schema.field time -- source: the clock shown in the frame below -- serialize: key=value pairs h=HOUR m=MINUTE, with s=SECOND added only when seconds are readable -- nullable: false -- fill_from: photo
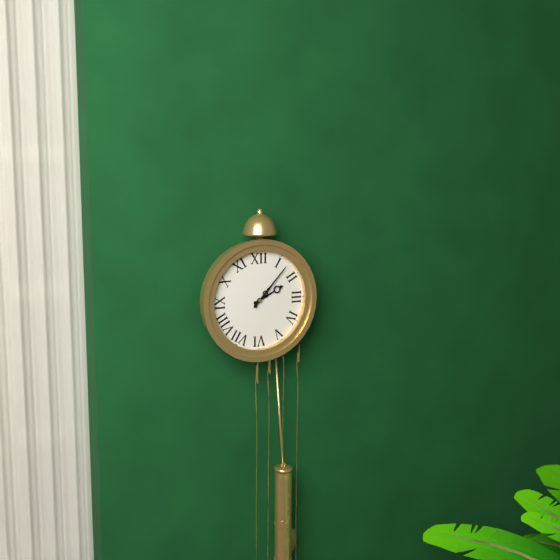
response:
h=2 m=7
